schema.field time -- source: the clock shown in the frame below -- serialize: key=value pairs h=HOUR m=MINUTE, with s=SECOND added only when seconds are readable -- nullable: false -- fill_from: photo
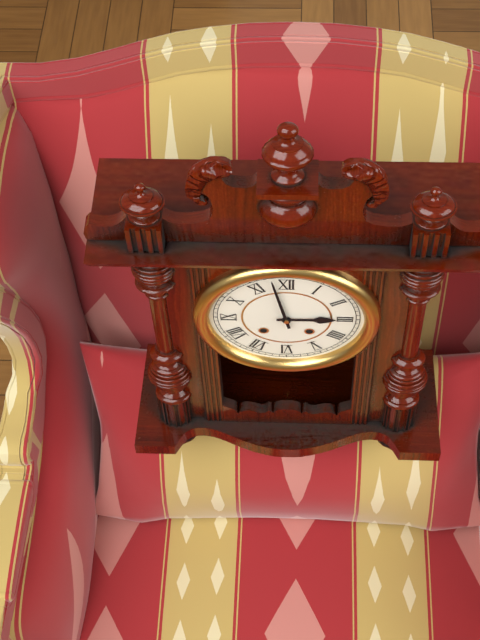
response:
h=2 m=58
